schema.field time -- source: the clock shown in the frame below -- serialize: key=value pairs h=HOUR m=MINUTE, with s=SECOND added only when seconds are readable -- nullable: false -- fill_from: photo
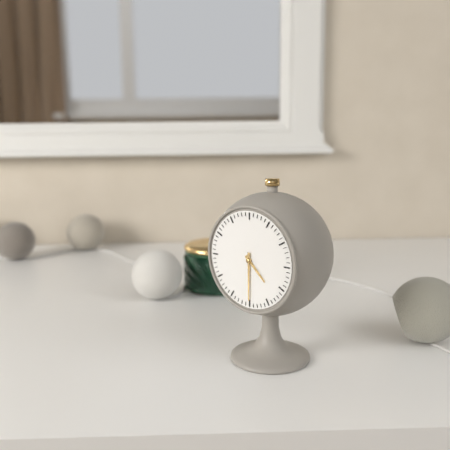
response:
h=4 m=30
